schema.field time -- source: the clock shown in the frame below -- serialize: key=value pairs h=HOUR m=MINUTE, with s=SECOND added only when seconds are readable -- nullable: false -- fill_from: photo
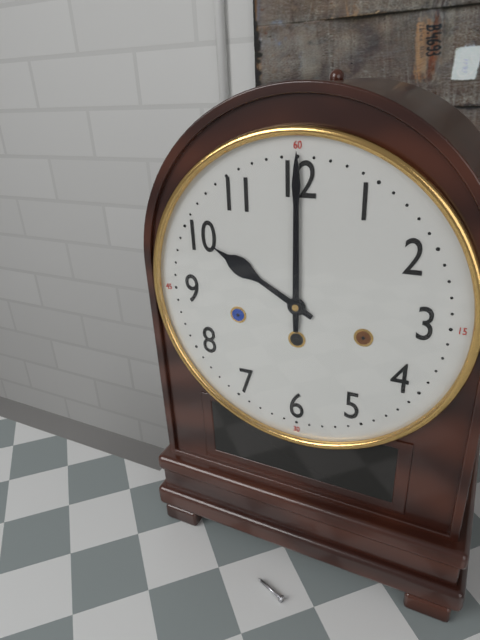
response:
h=10 m=0
